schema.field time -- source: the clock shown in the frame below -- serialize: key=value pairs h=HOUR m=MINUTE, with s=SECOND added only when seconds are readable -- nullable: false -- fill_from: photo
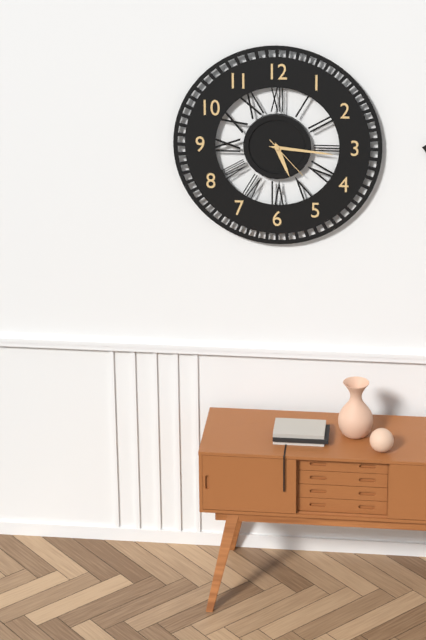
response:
h=5 m=16
